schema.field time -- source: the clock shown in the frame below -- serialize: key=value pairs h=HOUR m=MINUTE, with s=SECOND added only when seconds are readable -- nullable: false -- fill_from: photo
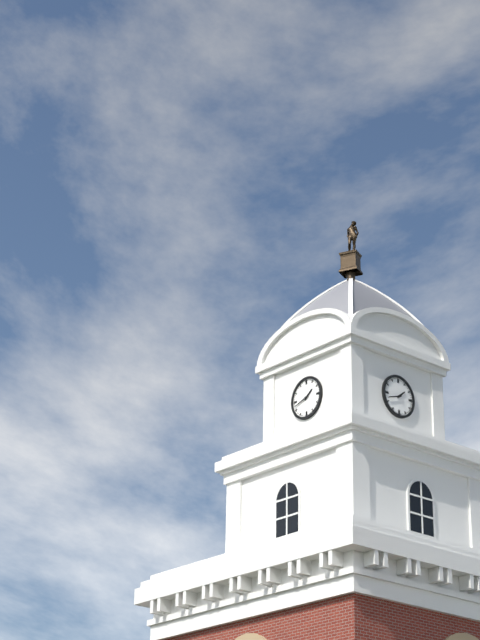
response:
h=1 m=42
